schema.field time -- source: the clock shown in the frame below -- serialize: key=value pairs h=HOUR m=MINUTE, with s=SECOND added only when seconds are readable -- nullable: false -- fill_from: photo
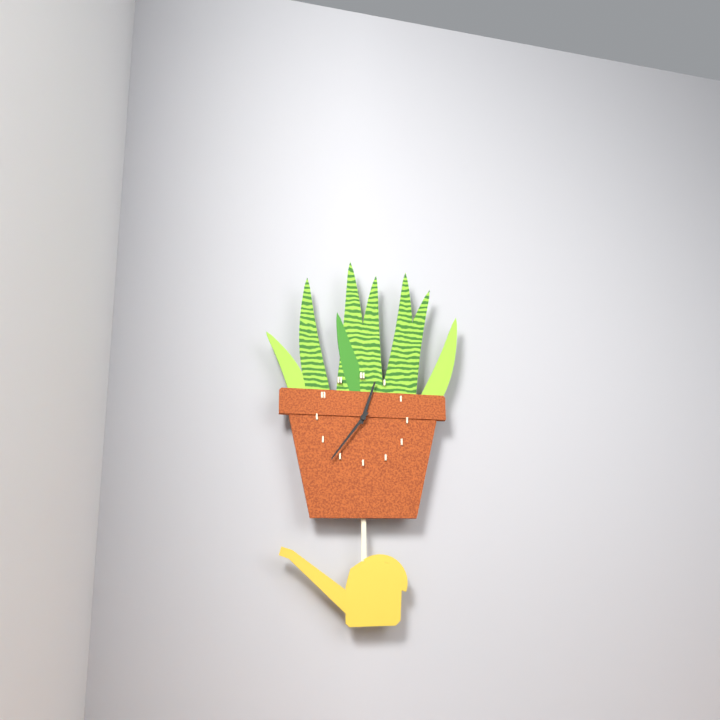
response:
h=12 m=36
